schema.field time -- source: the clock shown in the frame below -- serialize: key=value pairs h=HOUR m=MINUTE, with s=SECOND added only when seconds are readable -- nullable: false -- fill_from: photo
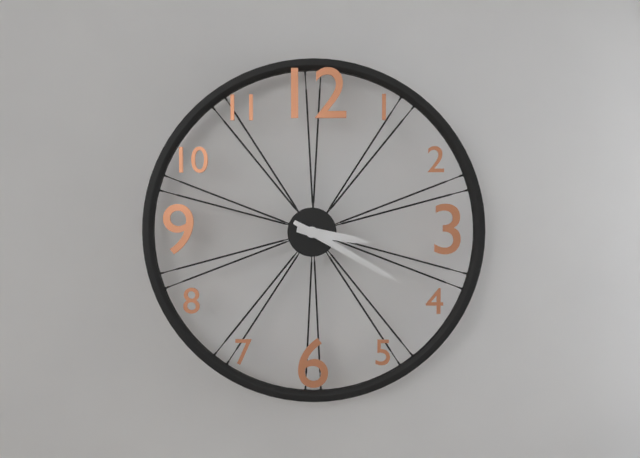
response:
h=3 m=20
